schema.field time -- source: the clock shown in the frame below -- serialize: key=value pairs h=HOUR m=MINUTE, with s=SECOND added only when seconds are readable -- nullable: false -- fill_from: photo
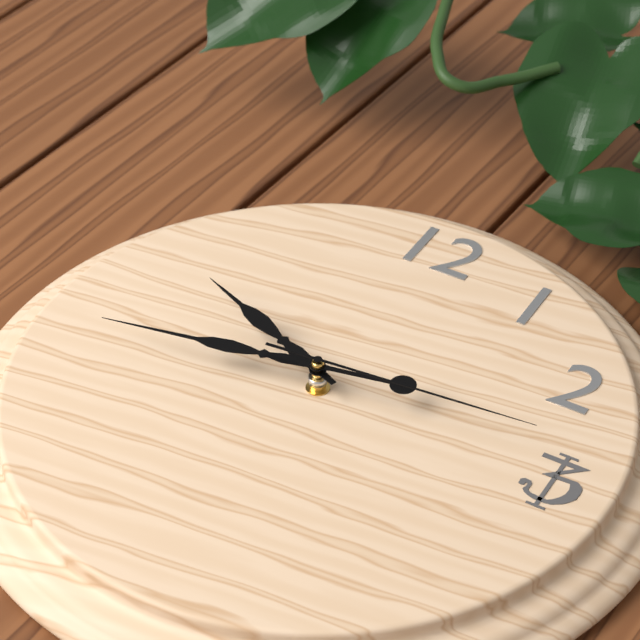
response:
h=9 m=43 s=14
